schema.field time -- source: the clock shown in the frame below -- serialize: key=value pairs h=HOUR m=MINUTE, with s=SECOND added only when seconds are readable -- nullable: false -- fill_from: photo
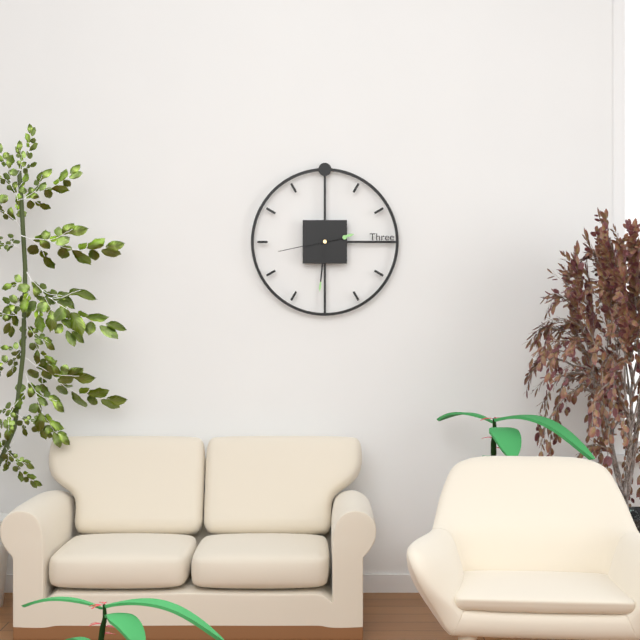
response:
h=2 m=31 s=43
